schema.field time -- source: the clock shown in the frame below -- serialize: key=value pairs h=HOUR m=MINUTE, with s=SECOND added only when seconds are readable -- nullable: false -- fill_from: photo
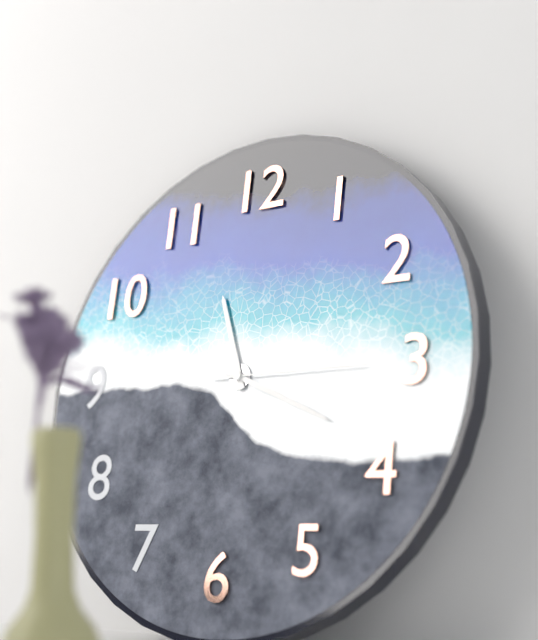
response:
h=11 m=19 s=15
